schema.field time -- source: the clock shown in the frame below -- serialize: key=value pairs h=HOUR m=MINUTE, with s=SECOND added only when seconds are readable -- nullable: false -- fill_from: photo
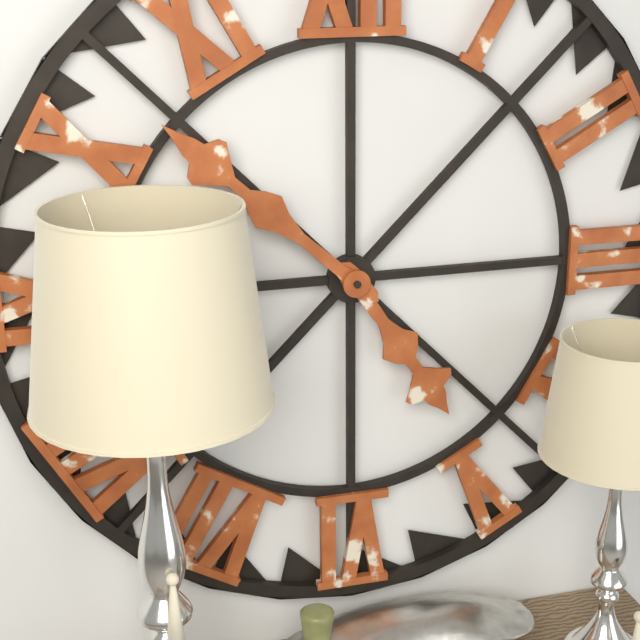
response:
h=4 m=52
